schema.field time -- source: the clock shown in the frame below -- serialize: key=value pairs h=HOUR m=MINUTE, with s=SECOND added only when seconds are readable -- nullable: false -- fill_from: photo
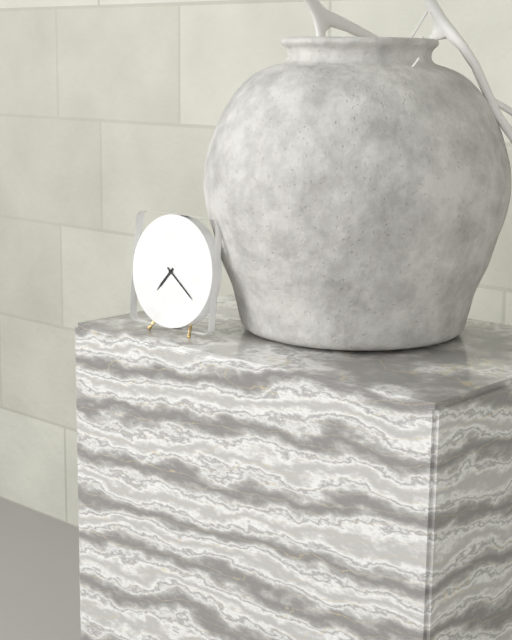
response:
h=7 m=21
